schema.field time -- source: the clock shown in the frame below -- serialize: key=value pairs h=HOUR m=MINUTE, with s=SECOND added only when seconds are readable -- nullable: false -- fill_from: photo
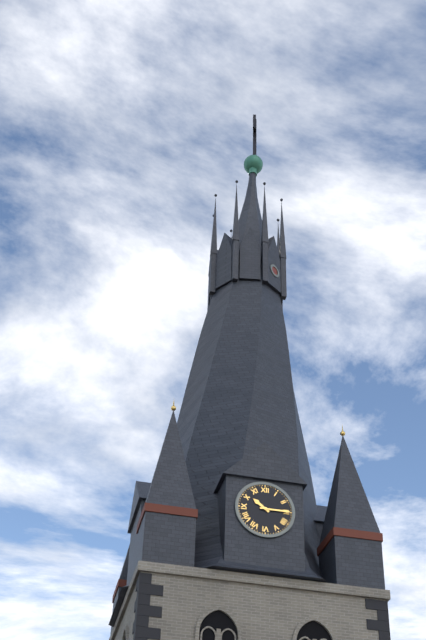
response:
h=10 m=15
